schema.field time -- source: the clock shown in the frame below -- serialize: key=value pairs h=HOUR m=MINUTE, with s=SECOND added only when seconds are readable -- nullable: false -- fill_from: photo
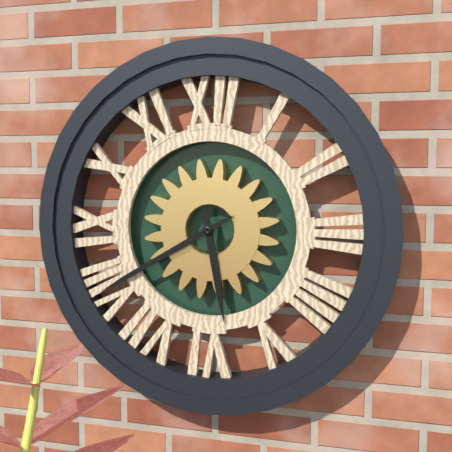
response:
h=5 m=40
